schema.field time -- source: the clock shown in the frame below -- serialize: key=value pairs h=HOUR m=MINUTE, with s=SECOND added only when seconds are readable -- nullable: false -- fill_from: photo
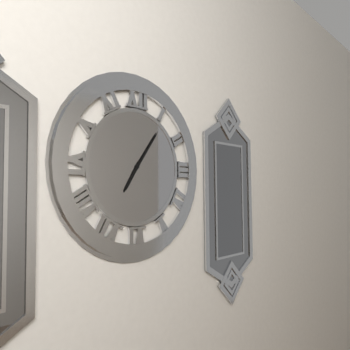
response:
h=7 m=6
